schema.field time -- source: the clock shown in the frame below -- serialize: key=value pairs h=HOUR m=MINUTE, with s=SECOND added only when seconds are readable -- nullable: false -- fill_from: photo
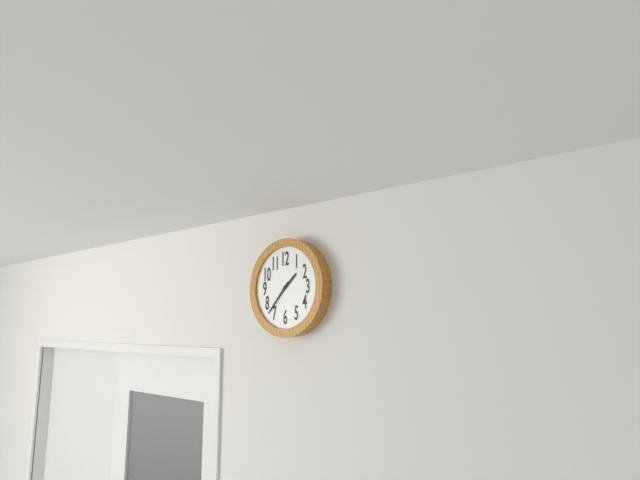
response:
h=1 m=37
